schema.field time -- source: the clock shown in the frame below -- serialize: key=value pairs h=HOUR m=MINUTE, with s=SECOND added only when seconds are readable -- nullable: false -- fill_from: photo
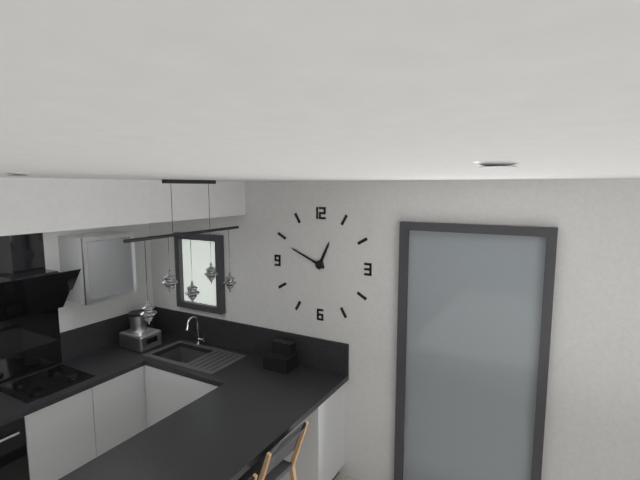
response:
h=12 m=49
